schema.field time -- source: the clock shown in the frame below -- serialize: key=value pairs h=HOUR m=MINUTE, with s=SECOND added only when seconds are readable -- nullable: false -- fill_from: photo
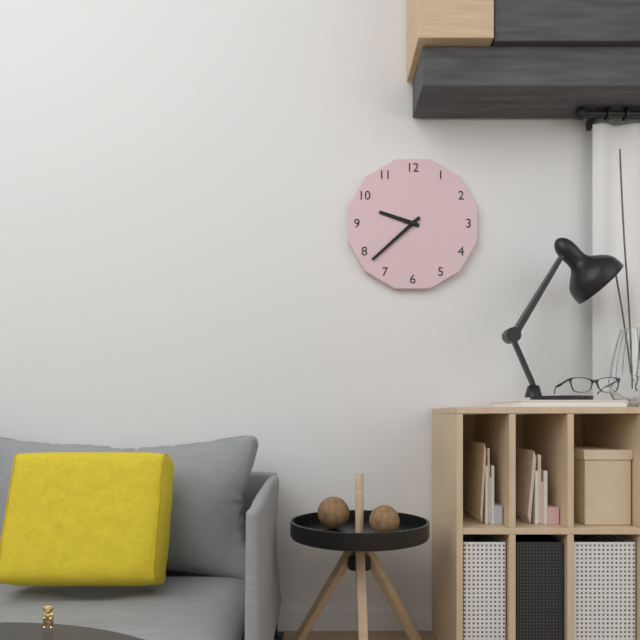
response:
h=9 m=38
